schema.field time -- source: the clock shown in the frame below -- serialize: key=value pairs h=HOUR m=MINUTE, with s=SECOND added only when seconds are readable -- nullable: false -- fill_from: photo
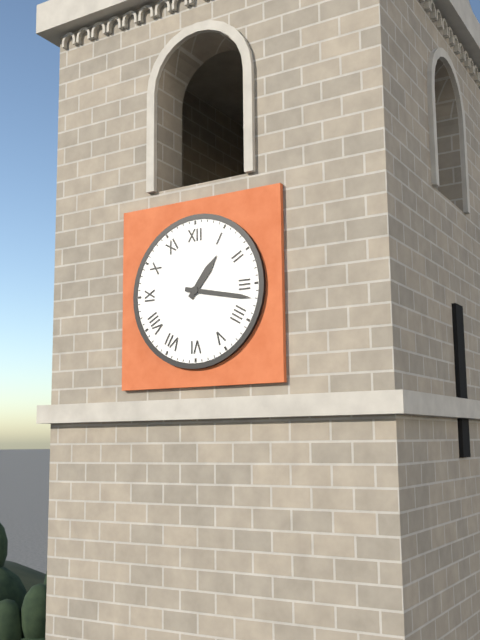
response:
h=1 m=17
